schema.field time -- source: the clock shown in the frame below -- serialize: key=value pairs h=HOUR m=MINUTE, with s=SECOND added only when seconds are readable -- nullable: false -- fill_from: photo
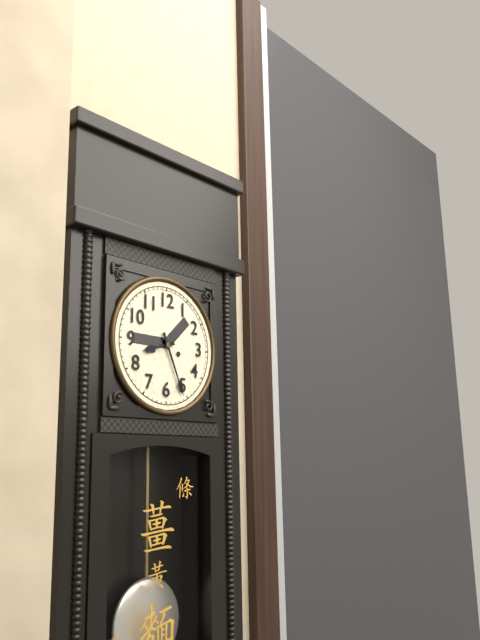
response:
h=8 m=26
